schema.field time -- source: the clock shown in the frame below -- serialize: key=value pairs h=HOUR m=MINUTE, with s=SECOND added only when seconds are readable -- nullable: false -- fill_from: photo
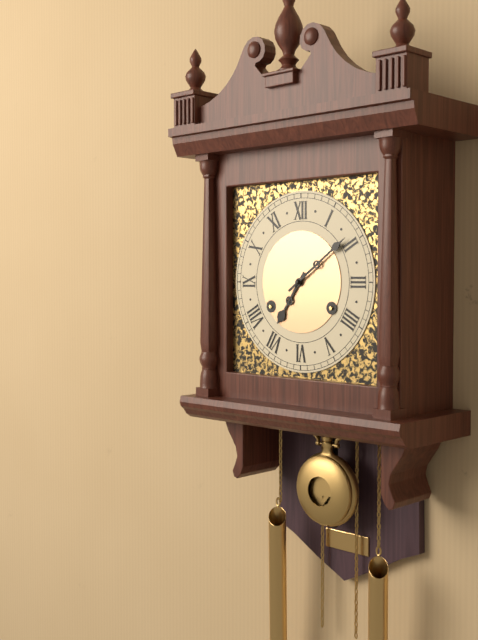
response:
h=7 m=9
